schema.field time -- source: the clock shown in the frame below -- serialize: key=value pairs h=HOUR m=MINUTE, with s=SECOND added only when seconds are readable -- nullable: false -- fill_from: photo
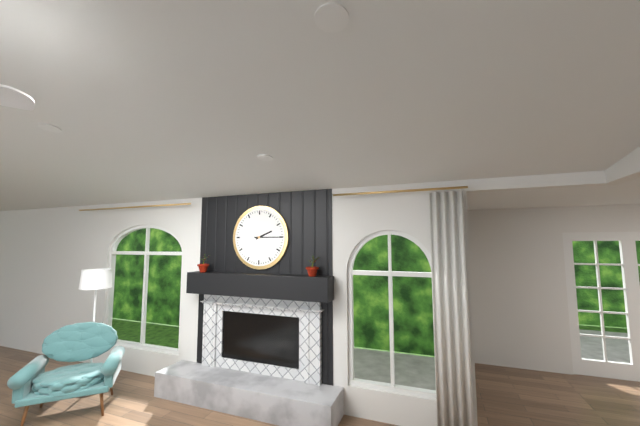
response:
h=2 m=15
